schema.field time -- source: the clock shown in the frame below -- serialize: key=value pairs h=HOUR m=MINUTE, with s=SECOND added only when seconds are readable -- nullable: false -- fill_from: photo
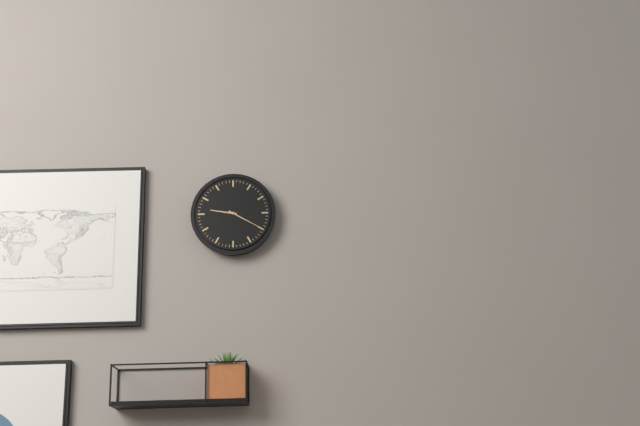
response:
h=9 m=20
